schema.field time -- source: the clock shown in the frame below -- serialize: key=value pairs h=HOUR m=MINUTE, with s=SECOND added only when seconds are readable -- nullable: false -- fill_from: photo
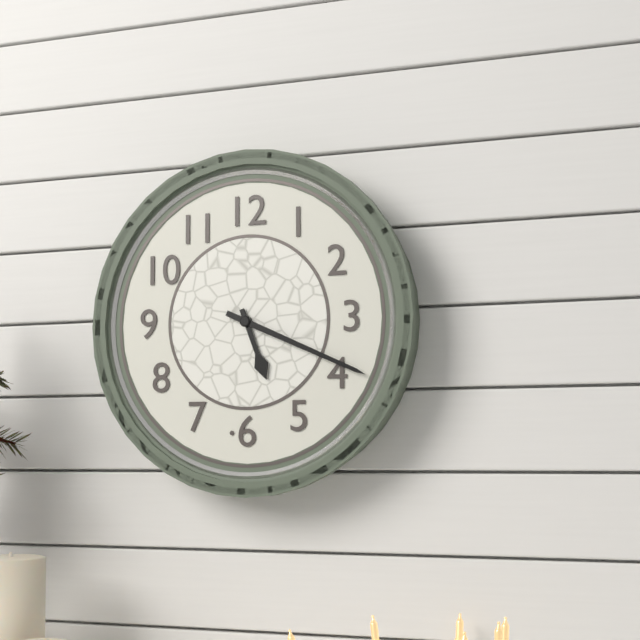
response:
h=5 m=19
